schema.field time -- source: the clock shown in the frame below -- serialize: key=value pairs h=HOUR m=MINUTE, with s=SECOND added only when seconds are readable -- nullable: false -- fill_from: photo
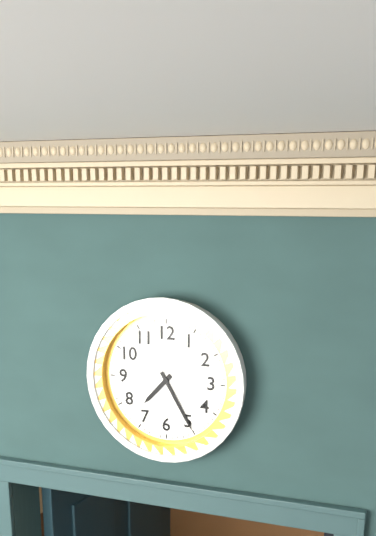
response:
h=7 m=25
